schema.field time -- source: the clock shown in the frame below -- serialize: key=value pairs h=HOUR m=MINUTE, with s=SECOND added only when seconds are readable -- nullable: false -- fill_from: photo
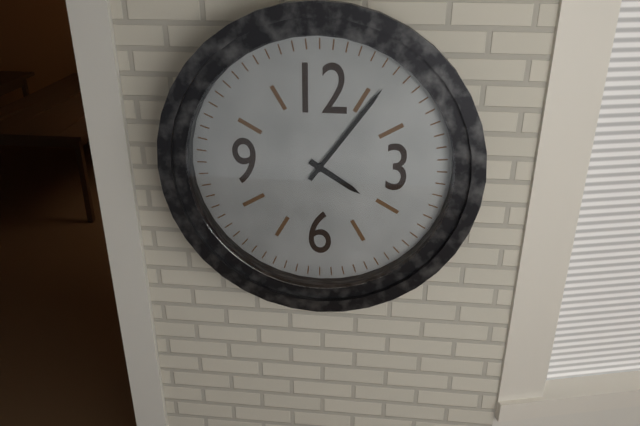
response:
h=4 m=6
